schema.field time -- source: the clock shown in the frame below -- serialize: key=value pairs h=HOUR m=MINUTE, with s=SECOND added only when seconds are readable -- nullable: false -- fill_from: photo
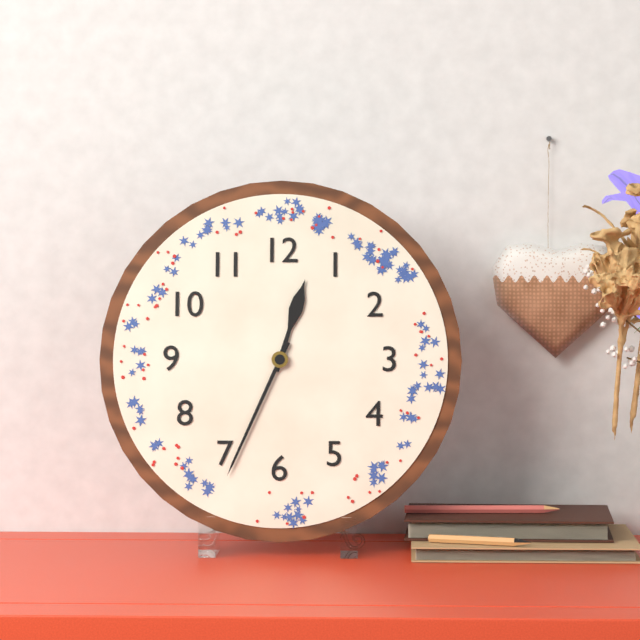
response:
h=12 m=34
